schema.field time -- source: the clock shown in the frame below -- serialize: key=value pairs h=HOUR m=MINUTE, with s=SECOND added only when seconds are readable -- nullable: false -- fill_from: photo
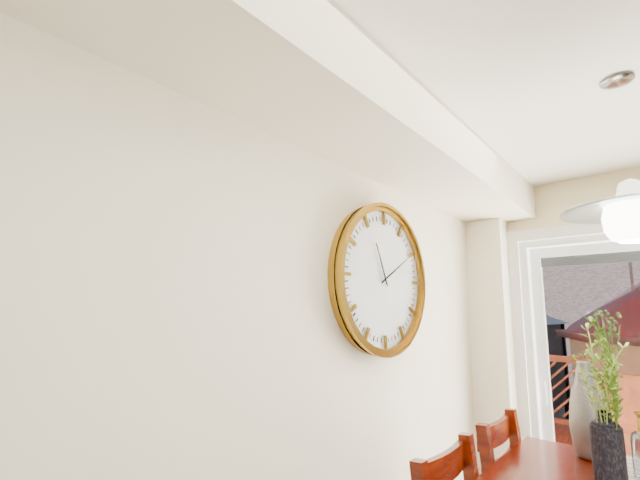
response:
h=11 m=10
